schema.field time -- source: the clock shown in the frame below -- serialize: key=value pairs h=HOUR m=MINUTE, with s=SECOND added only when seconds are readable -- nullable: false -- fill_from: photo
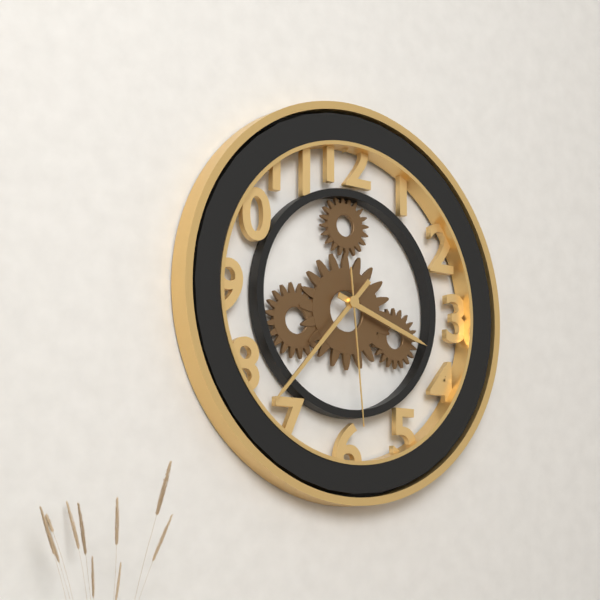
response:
h=3 m=37 s=29
